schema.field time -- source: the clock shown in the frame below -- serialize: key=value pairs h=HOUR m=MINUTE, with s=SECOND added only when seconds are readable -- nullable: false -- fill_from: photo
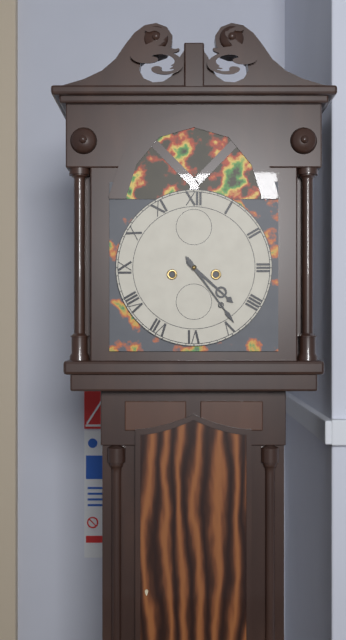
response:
h=4 m=24
